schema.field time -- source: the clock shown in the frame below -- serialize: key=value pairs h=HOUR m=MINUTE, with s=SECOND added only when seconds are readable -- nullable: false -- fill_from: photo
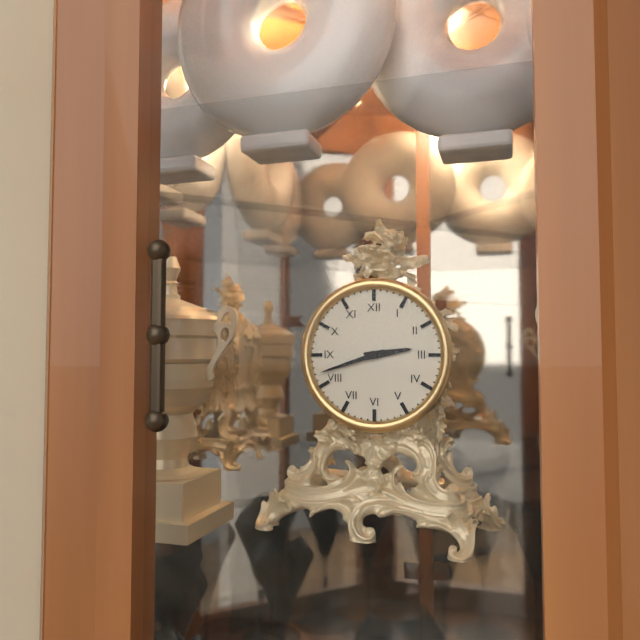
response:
h=2 m=42
